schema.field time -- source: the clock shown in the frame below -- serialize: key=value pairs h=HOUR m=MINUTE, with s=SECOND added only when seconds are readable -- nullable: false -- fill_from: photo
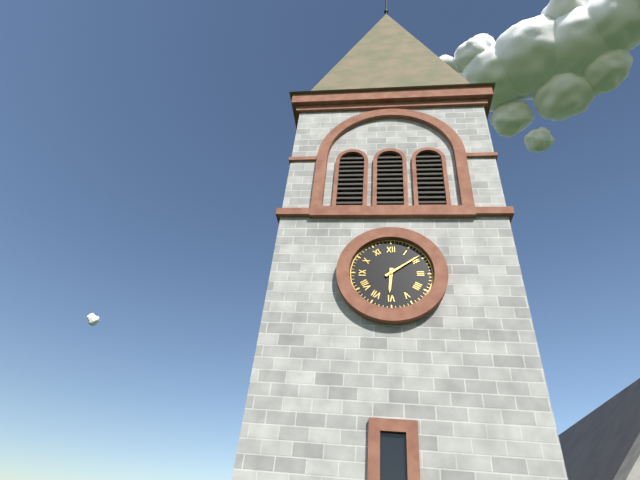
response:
h=6 m=9
